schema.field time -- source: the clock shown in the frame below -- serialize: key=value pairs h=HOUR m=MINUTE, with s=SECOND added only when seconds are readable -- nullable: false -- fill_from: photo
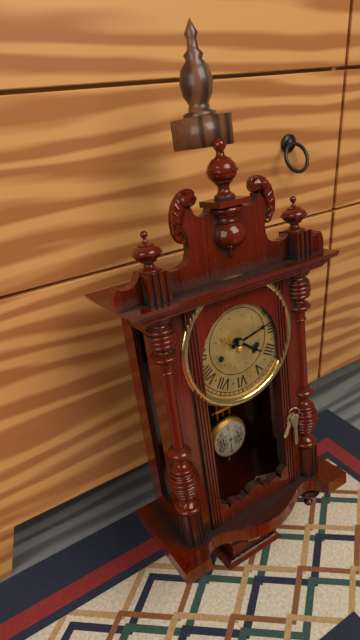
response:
h=4 m=13
